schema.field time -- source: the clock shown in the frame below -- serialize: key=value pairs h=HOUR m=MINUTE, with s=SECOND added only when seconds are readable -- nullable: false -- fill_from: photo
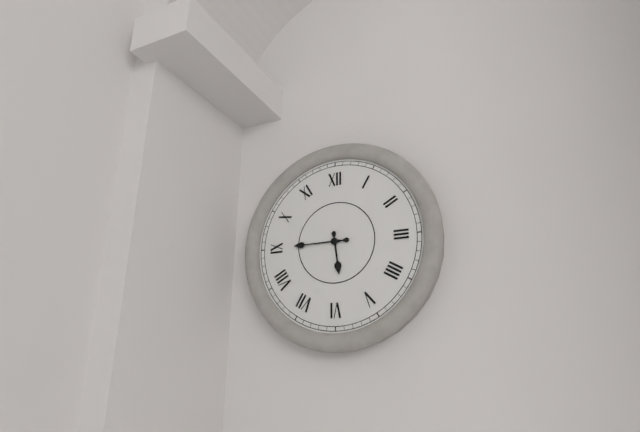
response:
h=5 m=45
